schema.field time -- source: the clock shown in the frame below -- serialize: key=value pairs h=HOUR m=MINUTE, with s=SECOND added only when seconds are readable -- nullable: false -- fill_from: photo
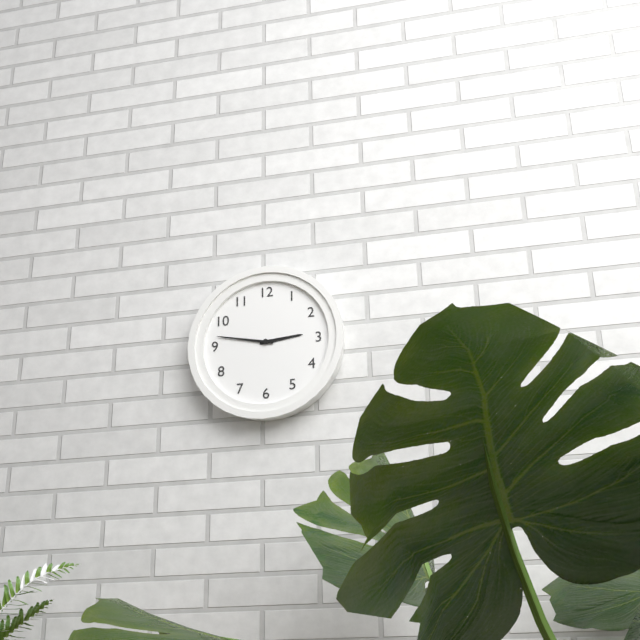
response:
h=2 m=47
